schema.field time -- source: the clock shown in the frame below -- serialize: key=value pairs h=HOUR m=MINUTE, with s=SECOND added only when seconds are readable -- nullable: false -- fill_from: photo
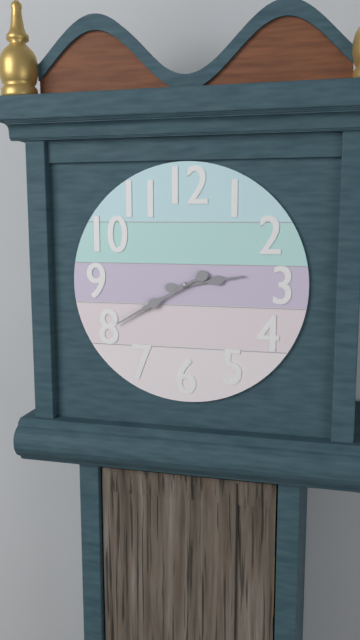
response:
h=2 m=40
